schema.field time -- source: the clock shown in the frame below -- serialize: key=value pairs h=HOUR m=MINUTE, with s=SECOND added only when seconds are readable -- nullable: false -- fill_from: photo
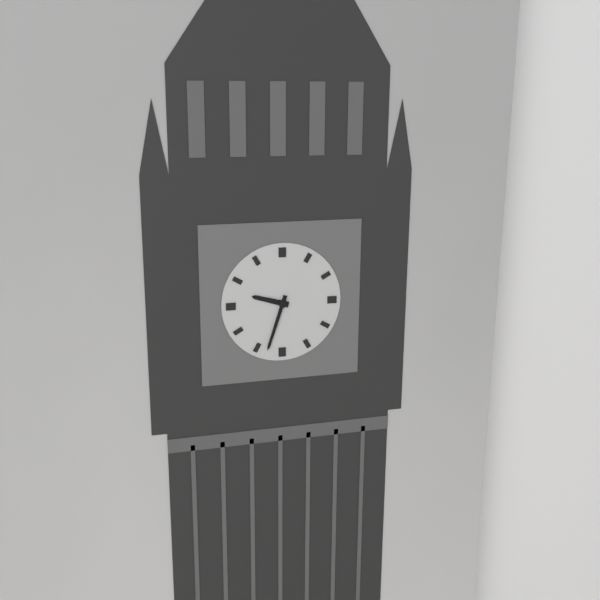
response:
h=9 m=33
